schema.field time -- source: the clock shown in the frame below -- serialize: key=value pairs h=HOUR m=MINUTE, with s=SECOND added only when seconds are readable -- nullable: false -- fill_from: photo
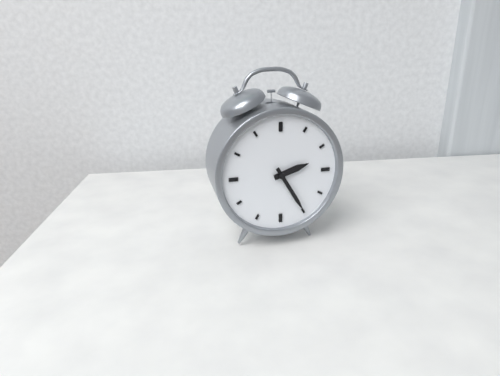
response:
h=2 m=25
